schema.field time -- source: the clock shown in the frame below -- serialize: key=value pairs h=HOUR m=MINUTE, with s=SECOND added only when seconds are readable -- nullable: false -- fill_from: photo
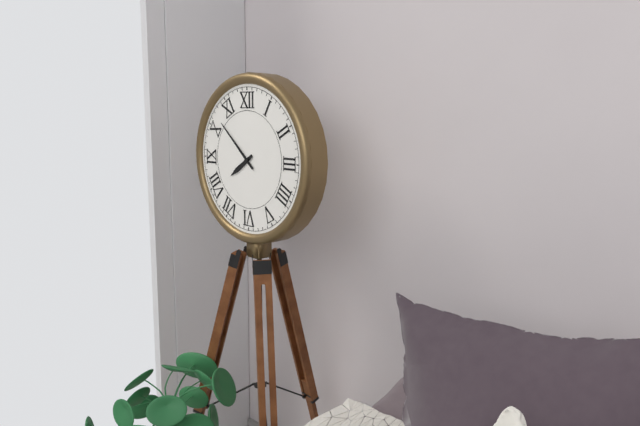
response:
h=7 m=52
